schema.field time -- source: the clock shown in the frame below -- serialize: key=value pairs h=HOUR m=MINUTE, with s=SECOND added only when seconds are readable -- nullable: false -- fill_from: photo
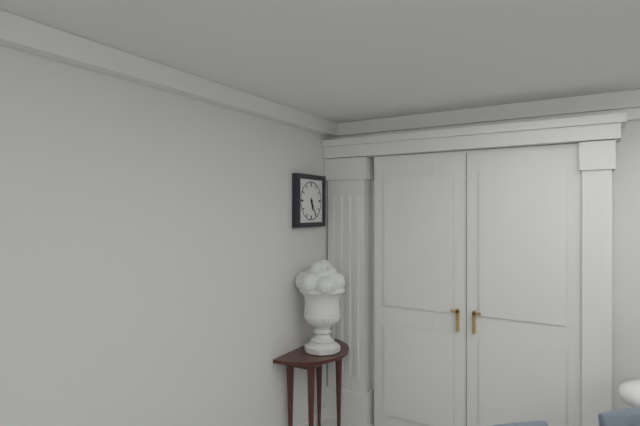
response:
h=5 m=25
